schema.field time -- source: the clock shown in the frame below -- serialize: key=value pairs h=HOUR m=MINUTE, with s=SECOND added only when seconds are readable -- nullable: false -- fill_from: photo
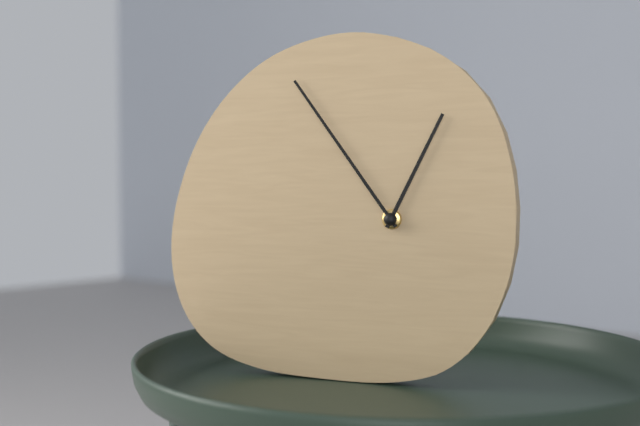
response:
h=12 m=54
